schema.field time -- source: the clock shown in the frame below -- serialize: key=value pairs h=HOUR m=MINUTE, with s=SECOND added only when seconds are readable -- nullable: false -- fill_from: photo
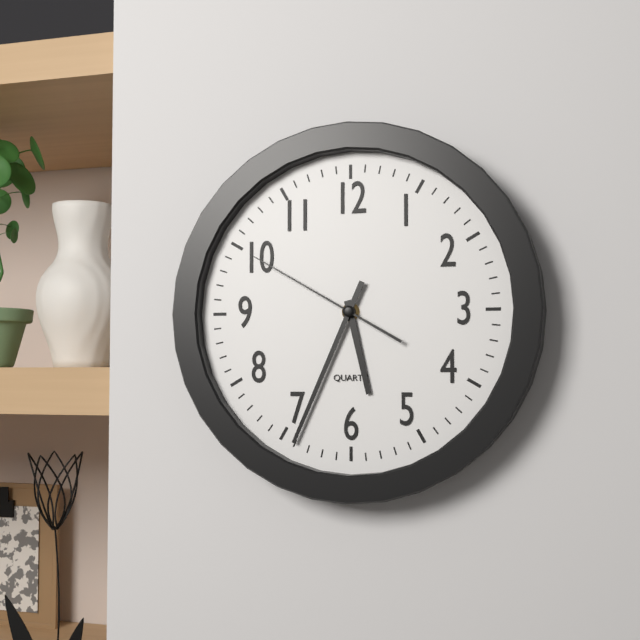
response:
h=5 m=34 s=50
